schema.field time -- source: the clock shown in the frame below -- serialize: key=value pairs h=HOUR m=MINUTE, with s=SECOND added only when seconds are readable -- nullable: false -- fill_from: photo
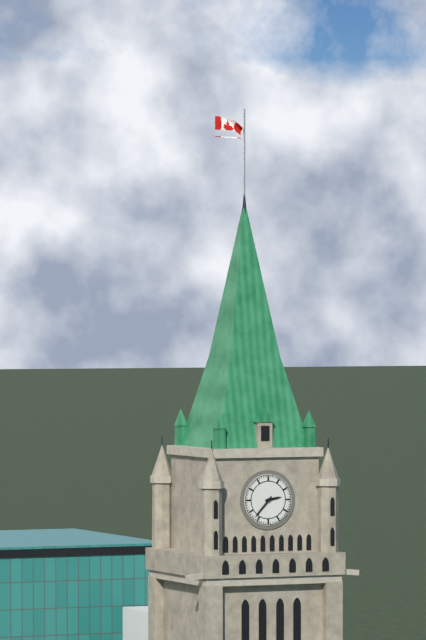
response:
h=2 m=37
